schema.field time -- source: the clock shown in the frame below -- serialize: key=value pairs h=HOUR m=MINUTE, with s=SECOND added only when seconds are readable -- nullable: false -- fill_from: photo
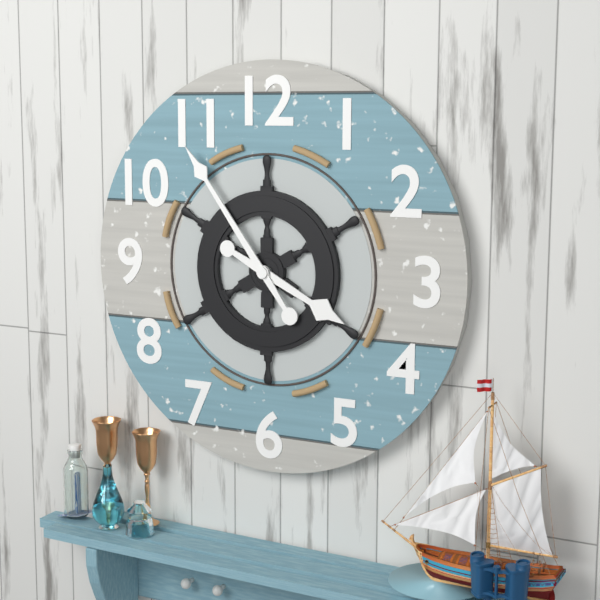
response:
h=3 m=54
